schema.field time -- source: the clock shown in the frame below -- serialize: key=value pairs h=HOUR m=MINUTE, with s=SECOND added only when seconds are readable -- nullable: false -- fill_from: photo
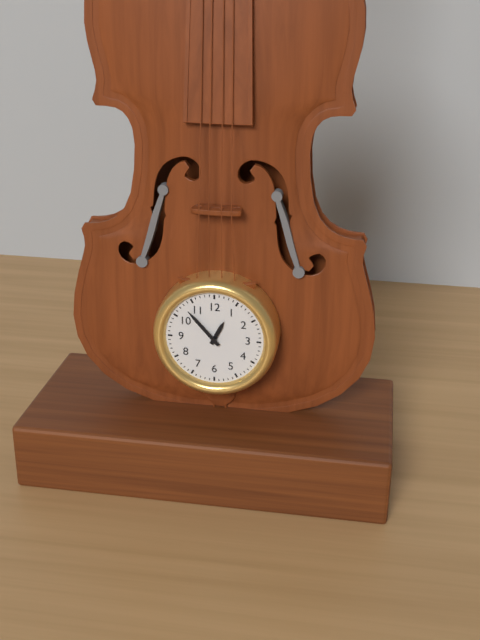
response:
h=12 m=53
